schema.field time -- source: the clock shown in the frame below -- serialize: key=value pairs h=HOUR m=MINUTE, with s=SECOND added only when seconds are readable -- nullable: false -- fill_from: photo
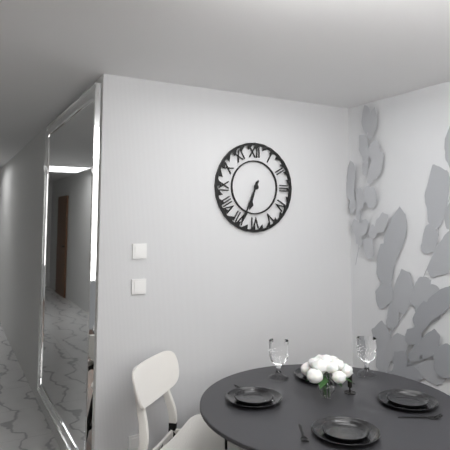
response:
h=6 m=34
